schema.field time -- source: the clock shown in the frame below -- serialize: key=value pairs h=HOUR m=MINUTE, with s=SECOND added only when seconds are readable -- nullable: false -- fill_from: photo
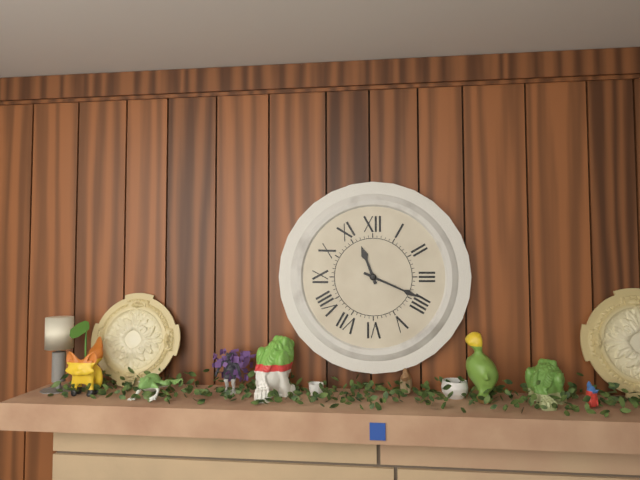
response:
h=11 m=19
